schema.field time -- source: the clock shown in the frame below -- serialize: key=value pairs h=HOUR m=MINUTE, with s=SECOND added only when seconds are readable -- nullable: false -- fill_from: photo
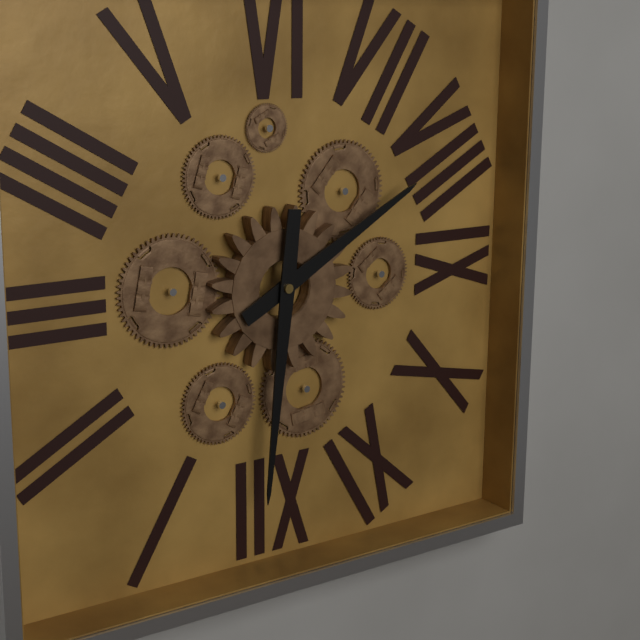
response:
h=8 m=1
